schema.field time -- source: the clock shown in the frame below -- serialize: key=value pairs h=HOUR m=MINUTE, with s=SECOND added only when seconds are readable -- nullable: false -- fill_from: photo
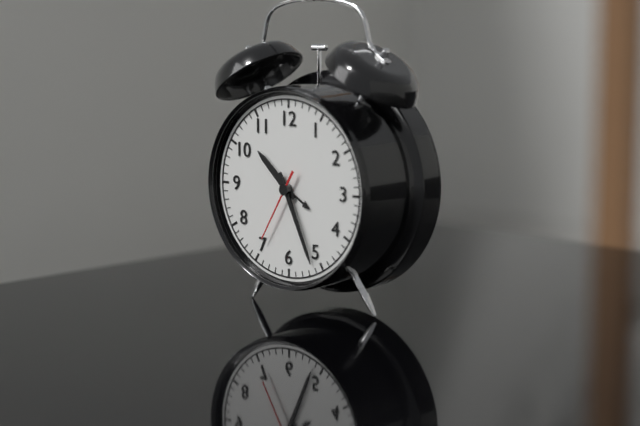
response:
h=10 m=26 s=35
